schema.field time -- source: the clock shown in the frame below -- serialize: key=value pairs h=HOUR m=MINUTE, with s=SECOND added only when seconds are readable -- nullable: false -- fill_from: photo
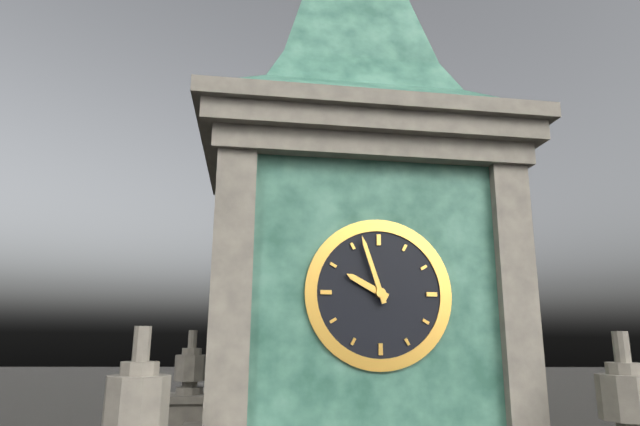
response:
h=9 m=57
